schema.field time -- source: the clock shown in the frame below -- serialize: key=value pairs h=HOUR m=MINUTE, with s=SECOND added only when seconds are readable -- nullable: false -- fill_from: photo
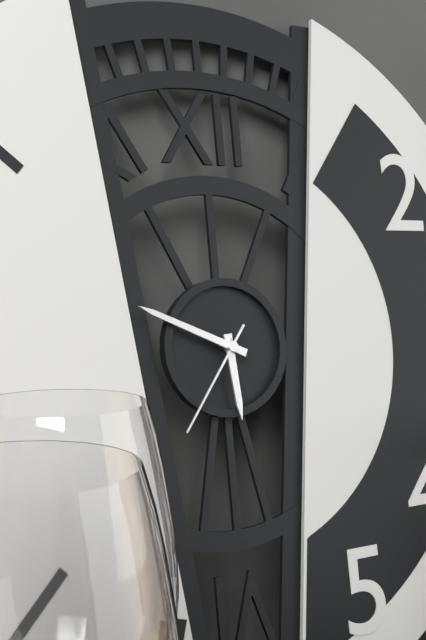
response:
h=5 m=49 s=36
